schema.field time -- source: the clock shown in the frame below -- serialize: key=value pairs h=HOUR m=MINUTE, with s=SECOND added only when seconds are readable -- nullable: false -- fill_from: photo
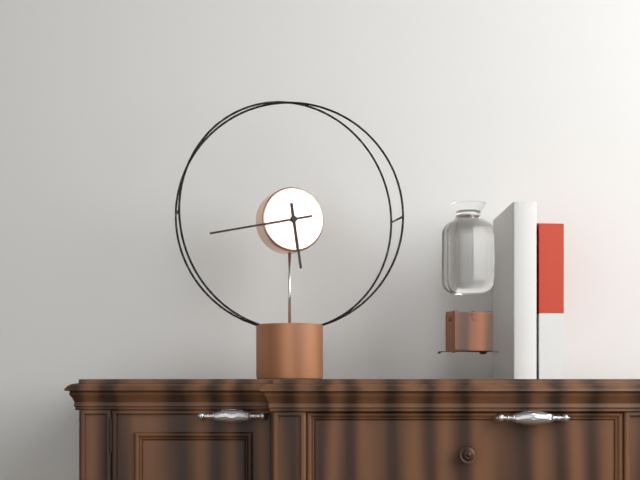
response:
h=5 m=43
